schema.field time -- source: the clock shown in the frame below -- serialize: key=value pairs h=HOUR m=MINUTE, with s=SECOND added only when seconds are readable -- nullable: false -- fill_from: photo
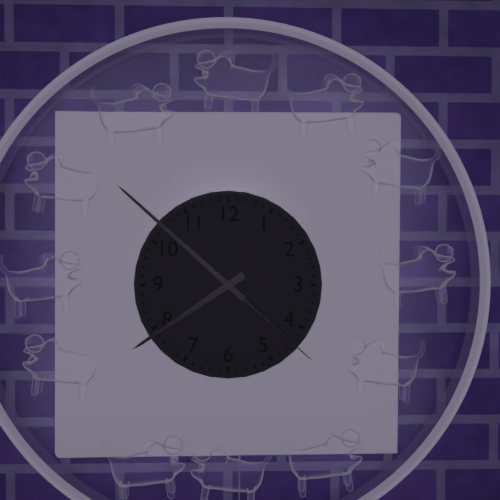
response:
h=7 m=52 s=22
